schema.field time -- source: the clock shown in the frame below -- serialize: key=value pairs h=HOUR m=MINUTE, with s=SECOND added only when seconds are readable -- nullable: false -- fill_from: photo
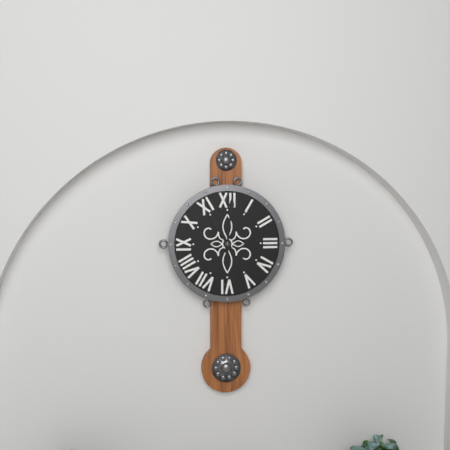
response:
h=11 m=1
